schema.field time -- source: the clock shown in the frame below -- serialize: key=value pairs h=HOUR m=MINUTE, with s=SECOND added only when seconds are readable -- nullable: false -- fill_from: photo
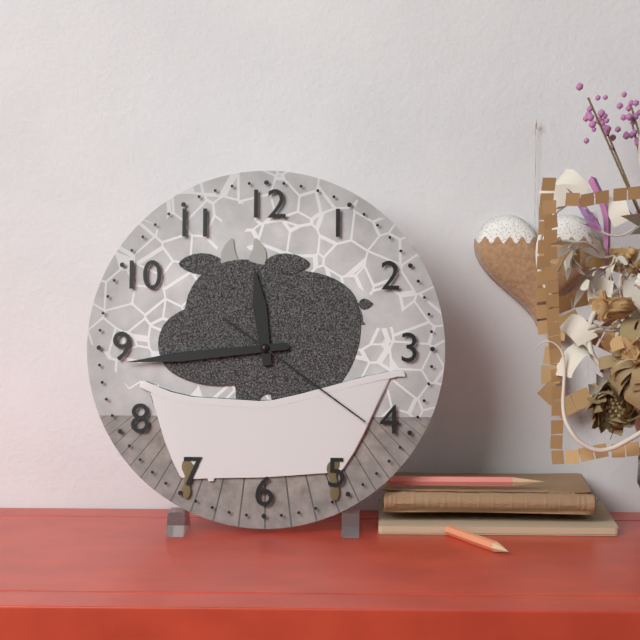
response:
h=11 m=44 s=21
